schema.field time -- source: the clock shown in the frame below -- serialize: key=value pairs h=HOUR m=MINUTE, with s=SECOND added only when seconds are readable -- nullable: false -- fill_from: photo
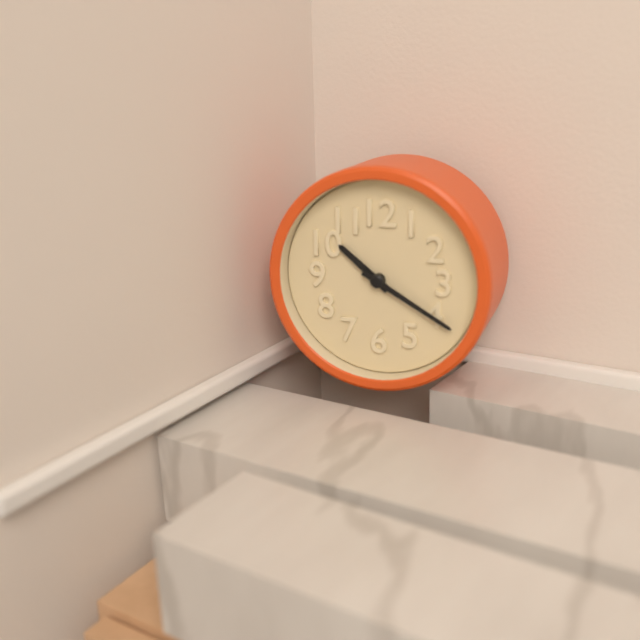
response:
h=10 m=20
